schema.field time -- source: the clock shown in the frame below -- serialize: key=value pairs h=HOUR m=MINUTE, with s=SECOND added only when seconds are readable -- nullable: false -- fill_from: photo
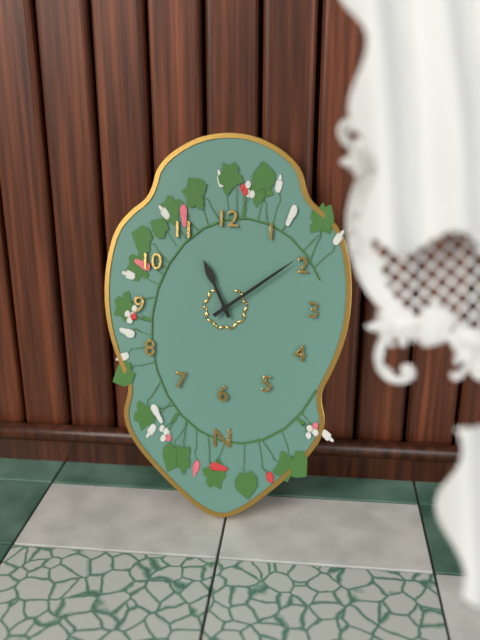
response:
h=11 m=9
